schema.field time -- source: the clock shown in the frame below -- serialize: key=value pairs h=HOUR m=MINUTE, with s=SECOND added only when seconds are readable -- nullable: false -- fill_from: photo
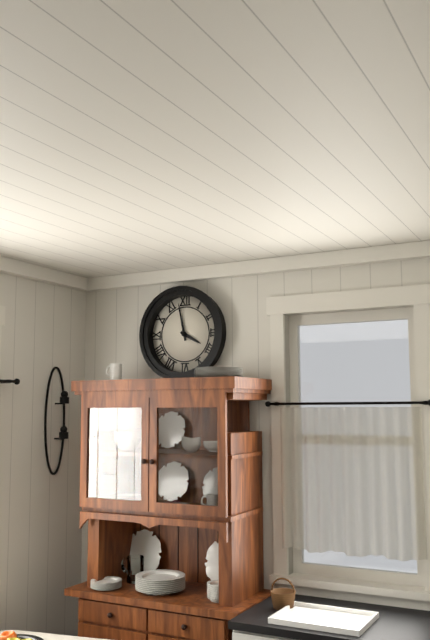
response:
h=3 m=58
